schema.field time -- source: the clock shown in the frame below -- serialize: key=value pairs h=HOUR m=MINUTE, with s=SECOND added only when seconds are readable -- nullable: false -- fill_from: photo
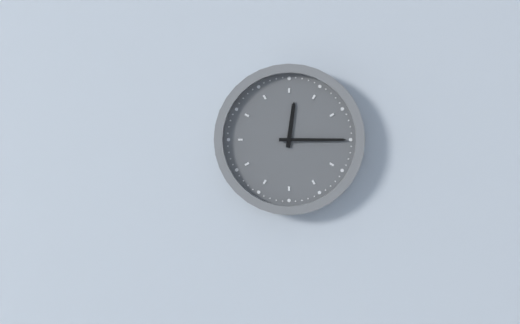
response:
h=12 m=15
